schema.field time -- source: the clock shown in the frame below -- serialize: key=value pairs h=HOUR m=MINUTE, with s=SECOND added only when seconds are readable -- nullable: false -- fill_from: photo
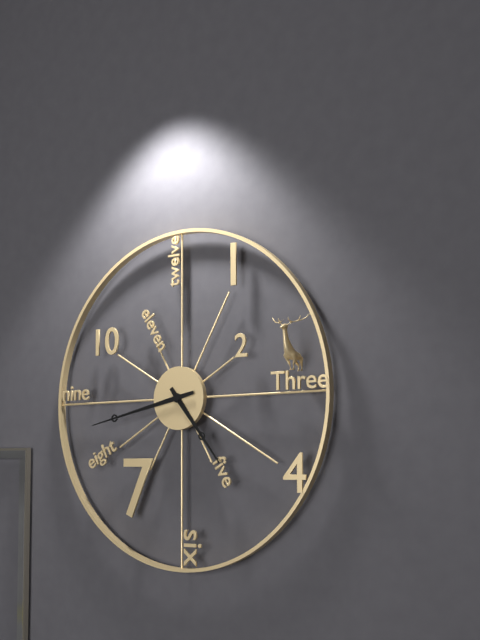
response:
h=4 m=43
